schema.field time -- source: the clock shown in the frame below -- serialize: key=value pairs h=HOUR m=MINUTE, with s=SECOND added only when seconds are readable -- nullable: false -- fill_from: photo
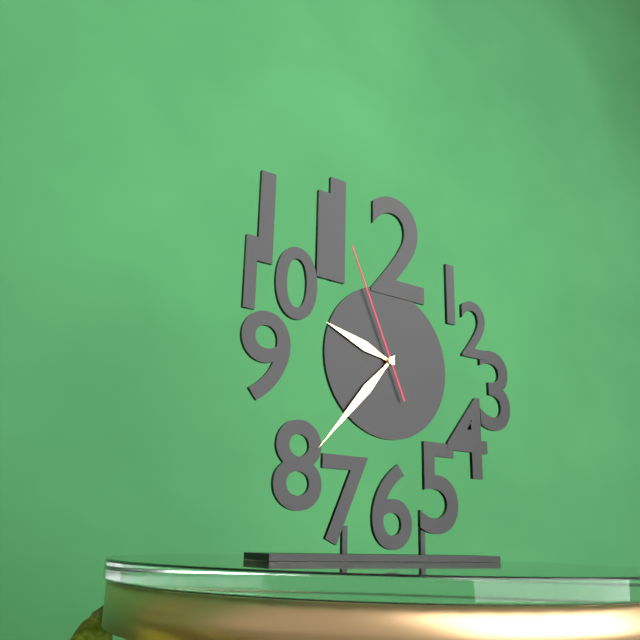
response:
h=9 m=37 s=56
